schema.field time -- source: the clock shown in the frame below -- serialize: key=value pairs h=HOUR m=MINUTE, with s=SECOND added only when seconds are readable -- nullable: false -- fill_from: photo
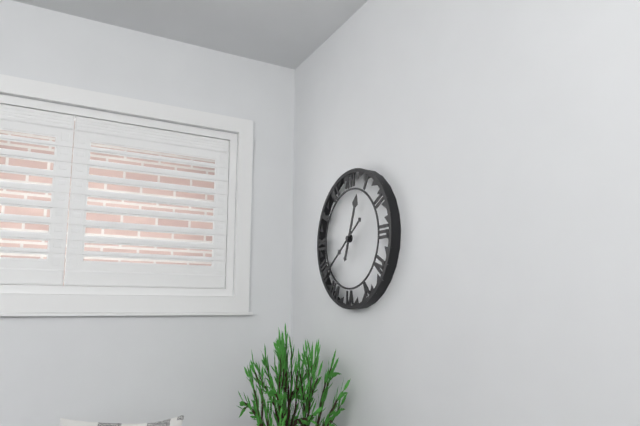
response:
h=12 m=39
